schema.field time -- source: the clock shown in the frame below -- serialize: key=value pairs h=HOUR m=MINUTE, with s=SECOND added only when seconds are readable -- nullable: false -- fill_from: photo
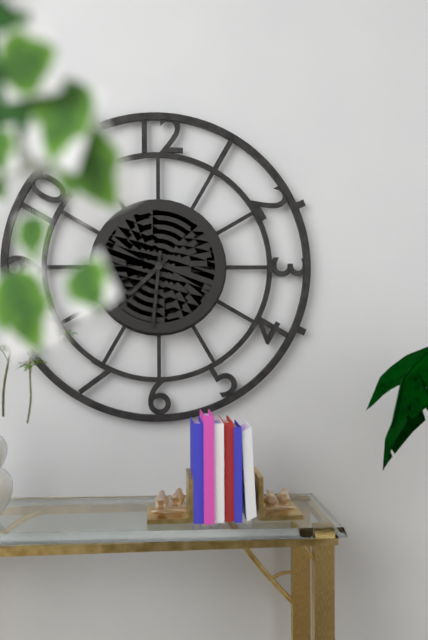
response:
h=7 m=31
